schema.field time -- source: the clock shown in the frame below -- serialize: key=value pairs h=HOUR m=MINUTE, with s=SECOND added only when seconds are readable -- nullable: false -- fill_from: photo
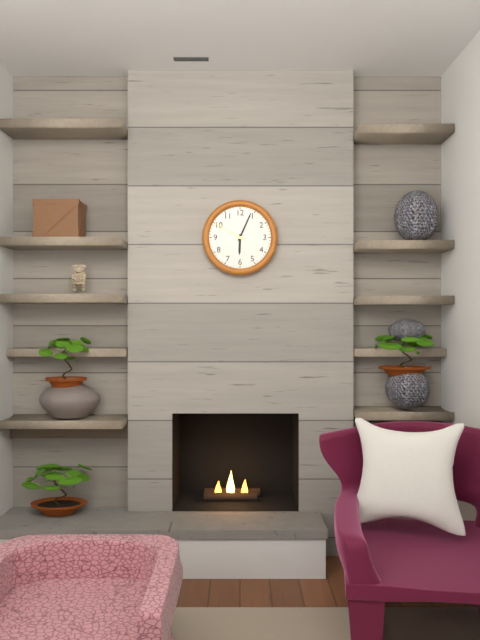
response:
h=6 m=4
